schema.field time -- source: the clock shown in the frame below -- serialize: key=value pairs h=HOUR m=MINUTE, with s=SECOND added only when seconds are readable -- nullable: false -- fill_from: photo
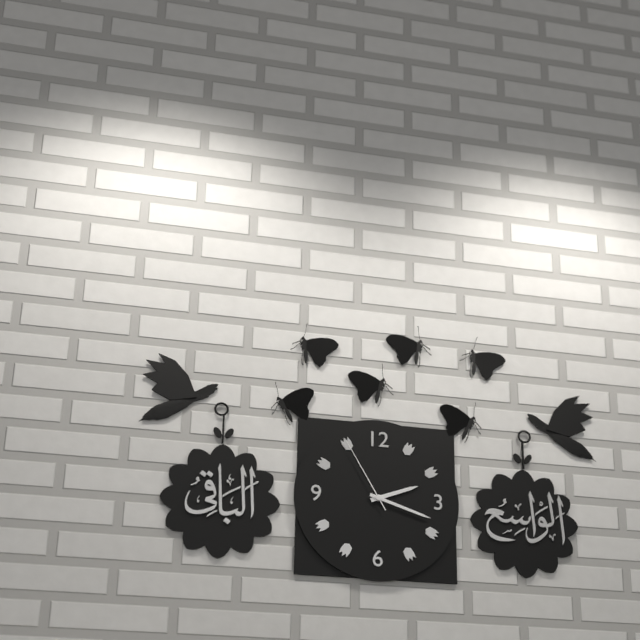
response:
h=2 m=18 s=55
